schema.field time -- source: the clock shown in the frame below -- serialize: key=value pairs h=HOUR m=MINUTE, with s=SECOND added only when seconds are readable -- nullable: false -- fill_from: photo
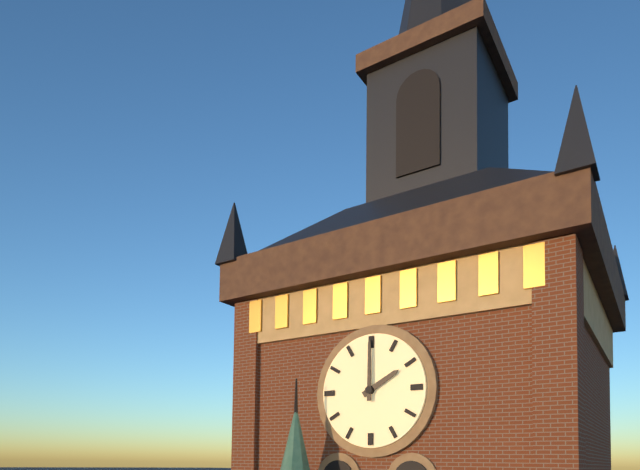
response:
h=2 m=0
